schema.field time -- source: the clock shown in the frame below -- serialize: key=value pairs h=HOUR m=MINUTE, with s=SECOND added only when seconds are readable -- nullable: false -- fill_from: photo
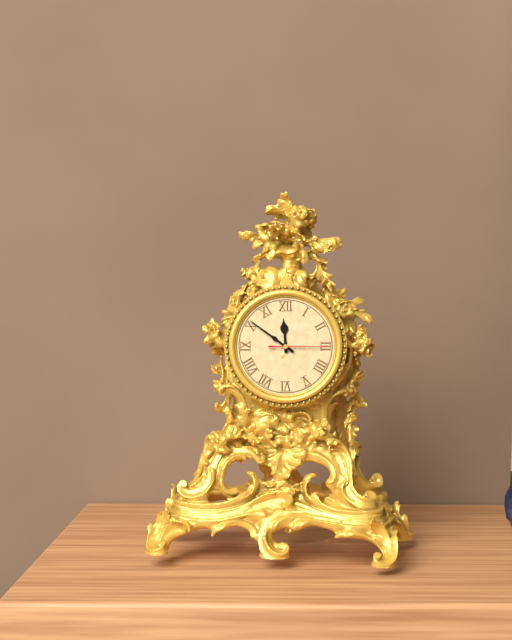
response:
h=11 m=51 s=15
